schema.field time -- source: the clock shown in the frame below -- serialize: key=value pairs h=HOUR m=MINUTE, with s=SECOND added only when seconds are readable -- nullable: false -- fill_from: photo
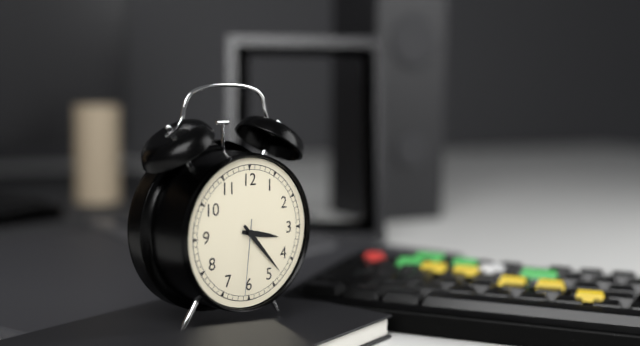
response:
h=3 m=23 s=31
